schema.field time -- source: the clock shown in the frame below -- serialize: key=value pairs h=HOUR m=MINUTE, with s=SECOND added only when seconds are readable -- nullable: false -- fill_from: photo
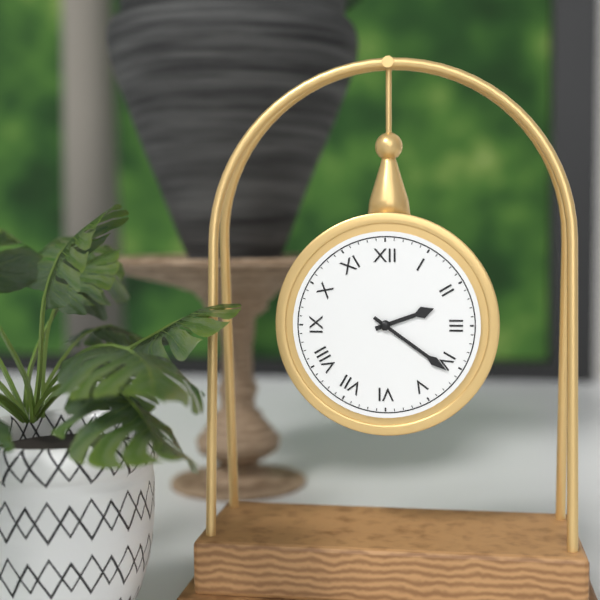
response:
h=2 m=21
